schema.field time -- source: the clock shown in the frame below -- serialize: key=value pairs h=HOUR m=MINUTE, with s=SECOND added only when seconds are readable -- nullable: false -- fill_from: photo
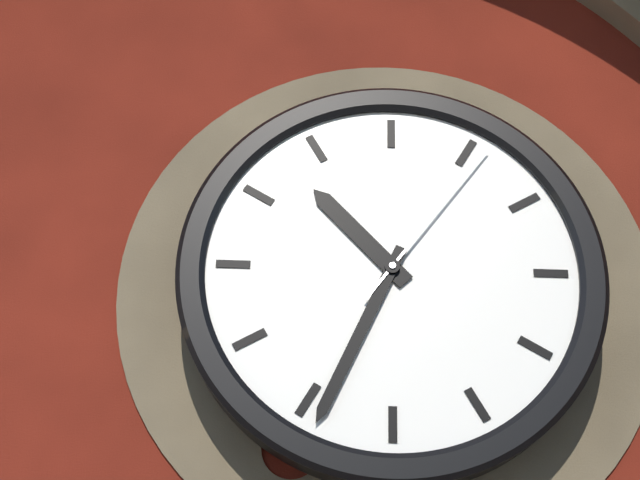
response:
h=10 m=34 s=6
